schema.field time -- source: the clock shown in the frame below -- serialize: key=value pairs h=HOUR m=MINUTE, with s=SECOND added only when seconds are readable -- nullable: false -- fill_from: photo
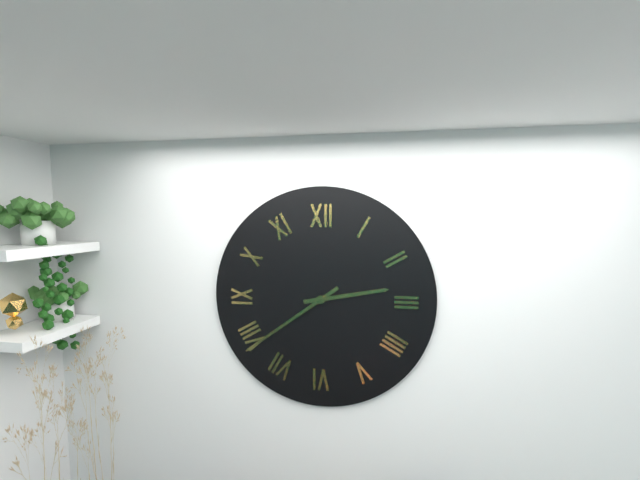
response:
h=2 m=39
